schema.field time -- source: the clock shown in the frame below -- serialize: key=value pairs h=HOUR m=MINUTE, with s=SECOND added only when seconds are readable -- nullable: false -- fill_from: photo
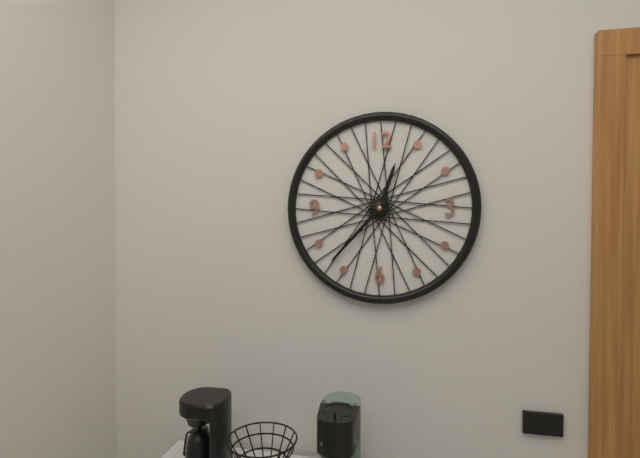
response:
h=12 m=37
